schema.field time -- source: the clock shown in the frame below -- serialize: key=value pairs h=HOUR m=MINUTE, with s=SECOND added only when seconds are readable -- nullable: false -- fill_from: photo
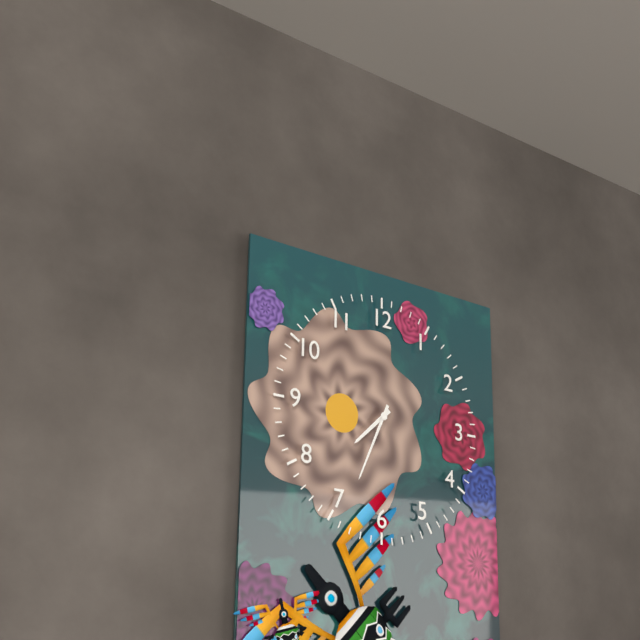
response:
h=7 m=34
